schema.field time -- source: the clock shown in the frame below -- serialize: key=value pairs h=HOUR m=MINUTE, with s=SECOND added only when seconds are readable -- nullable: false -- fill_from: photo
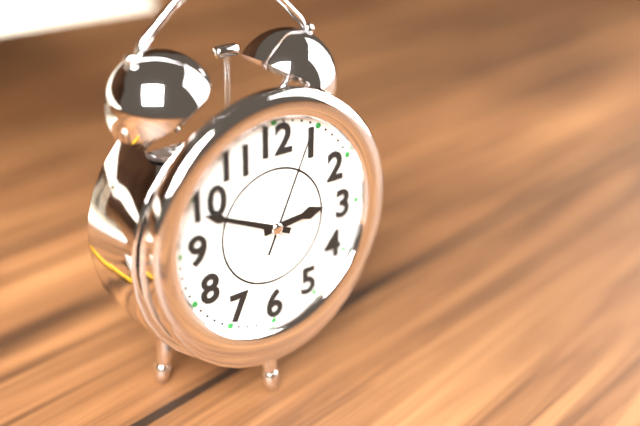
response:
h=2 m=49 s=4
